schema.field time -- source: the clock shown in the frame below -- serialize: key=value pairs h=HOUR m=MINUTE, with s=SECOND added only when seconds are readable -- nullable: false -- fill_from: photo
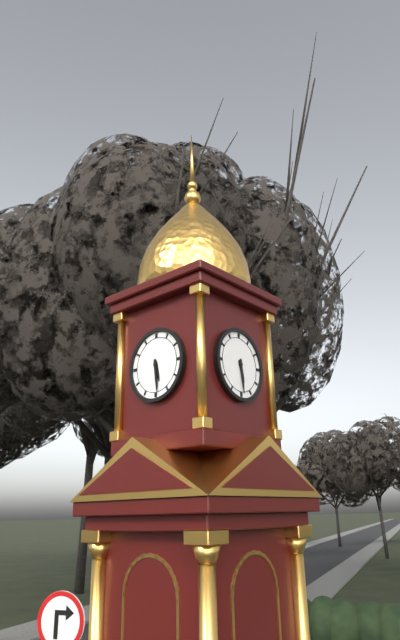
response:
h=5 m=29
